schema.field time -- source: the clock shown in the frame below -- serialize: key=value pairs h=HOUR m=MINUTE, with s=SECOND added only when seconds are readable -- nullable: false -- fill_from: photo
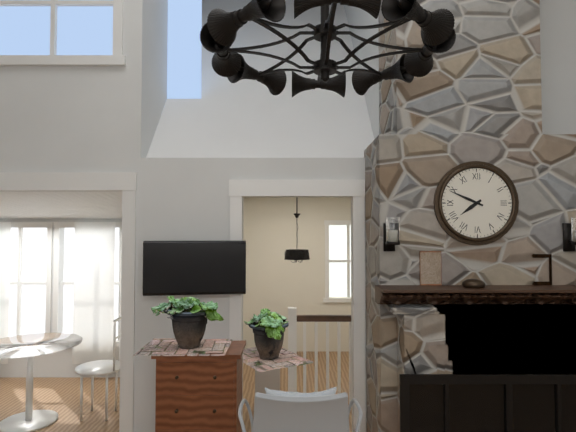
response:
h=7 m=49
